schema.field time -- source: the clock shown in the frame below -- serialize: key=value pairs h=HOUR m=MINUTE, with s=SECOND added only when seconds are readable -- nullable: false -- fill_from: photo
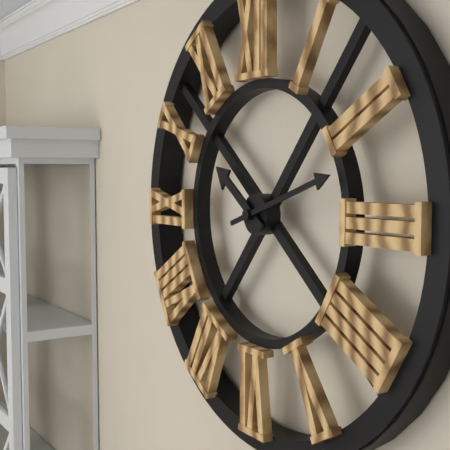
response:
h=10 m=12
